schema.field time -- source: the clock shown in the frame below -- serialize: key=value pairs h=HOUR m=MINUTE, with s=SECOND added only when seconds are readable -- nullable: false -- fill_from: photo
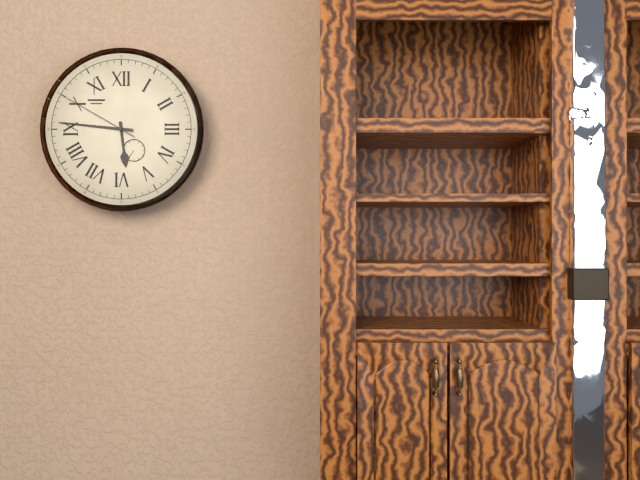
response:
h=5 m=46 s=50
